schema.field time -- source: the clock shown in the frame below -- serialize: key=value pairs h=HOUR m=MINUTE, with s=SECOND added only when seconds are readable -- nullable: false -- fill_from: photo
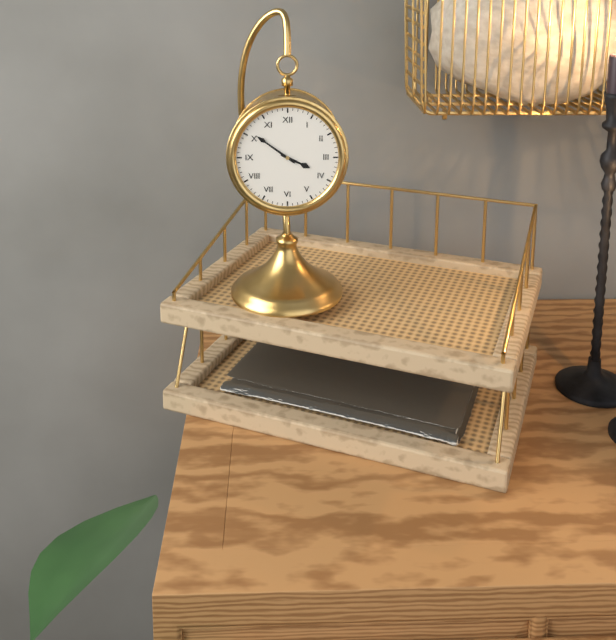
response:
h=3 m=51
